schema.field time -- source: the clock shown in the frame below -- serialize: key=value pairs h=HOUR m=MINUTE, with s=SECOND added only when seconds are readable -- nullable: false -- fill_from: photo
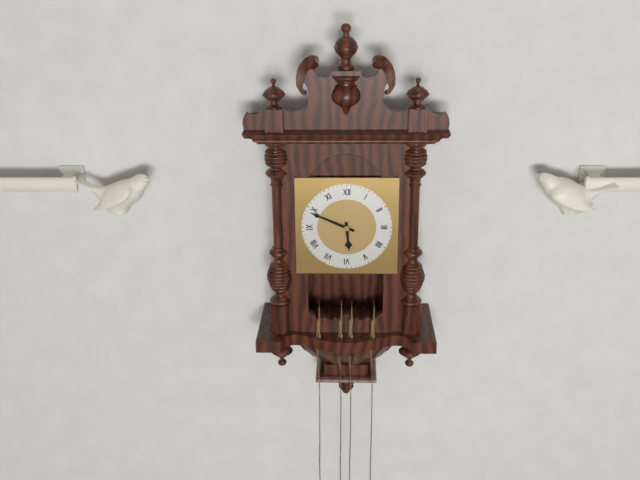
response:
h=5 m=49
